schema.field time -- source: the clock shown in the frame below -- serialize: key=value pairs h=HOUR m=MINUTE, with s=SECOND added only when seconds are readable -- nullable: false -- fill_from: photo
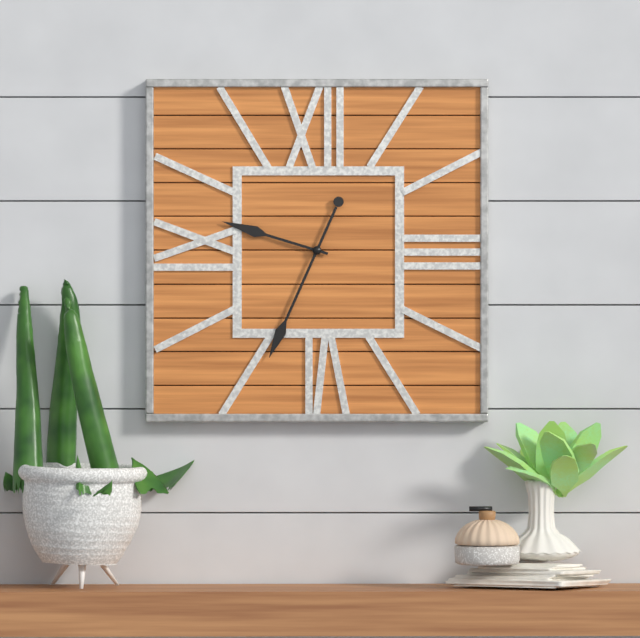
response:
h=9 m=34
